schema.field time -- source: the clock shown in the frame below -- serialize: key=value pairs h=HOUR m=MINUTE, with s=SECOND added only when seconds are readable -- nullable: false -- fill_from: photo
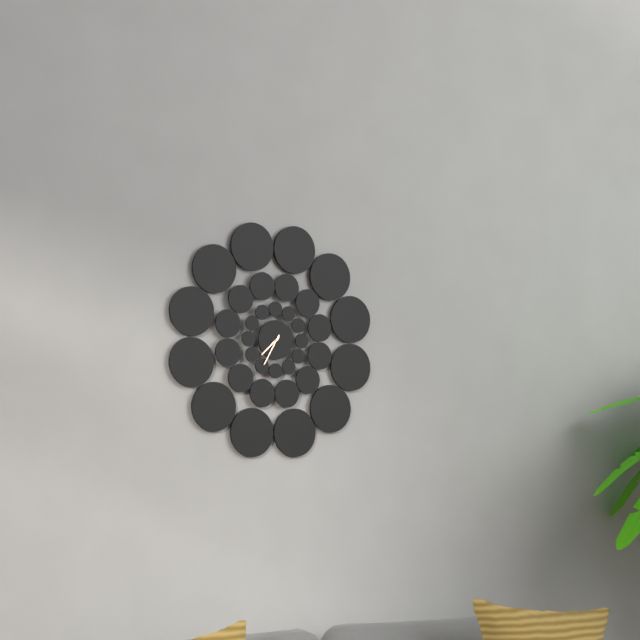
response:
h=7 m=35
